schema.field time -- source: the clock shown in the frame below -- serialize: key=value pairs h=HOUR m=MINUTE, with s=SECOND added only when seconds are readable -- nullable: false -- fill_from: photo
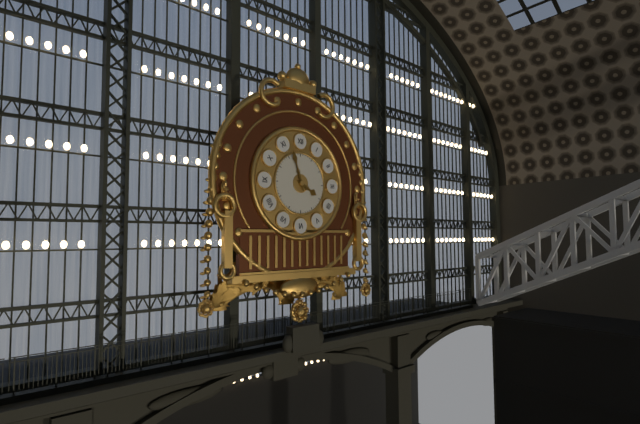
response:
h=3 m=57
